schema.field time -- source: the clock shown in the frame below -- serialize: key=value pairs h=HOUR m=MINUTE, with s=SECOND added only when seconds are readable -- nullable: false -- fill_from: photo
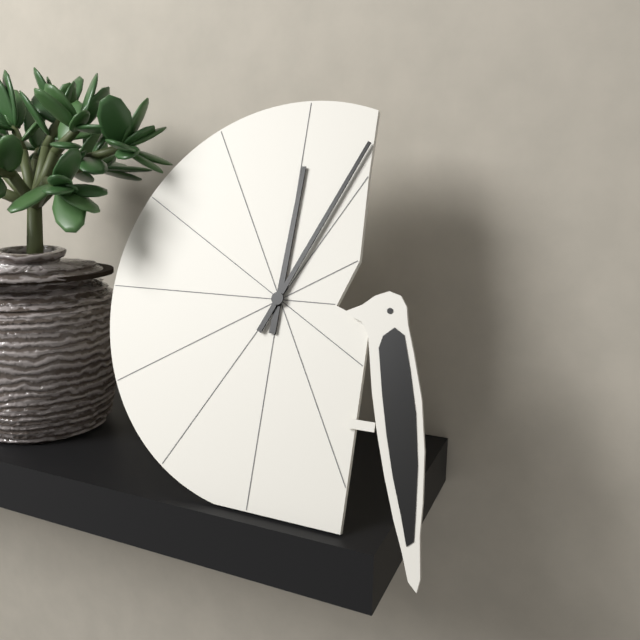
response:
h=12 m=4
